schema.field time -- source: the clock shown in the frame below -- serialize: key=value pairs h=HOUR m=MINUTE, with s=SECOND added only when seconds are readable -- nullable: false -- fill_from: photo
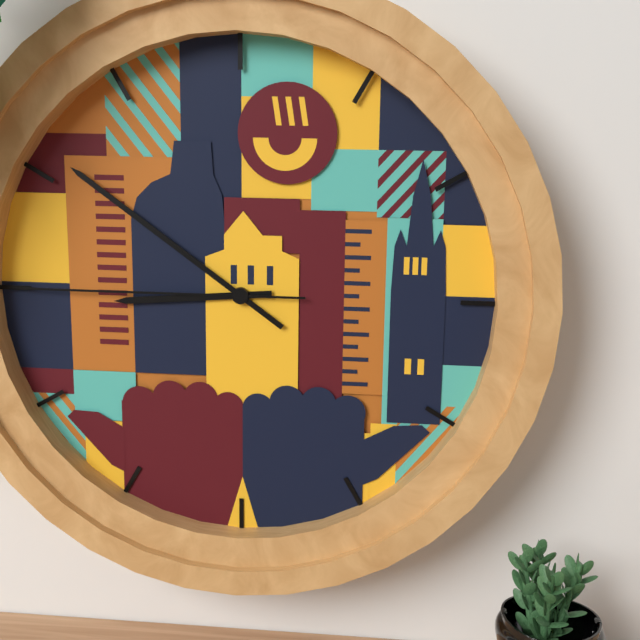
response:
h=8 m=51 s=45
